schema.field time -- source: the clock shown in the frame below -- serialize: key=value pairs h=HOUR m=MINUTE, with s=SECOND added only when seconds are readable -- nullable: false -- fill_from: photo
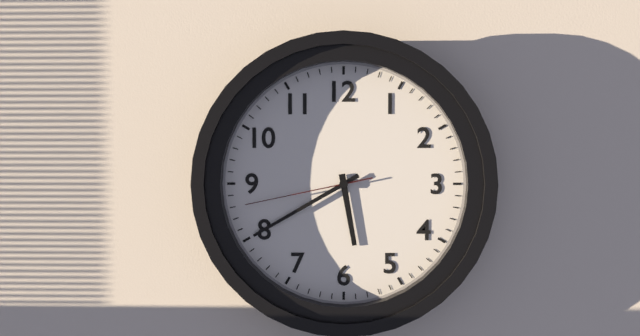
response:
h=5 m=40 s=43
